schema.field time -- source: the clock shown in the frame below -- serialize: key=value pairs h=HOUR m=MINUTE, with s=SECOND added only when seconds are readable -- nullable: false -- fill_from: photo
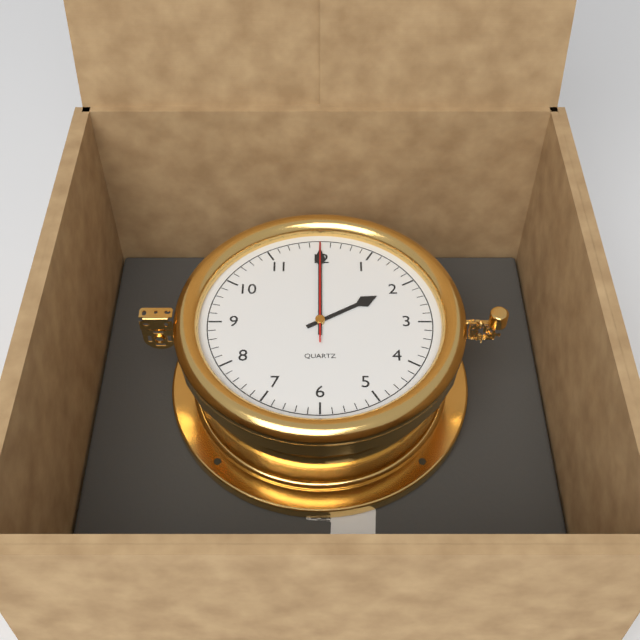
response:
h=2 m=0 s=0
